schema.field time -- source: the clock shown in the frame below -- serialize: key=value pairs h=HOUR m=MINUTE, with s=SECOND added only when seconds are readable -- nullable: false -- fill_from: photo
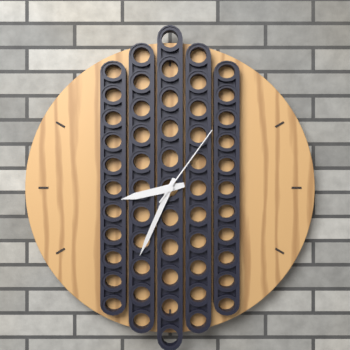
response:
h=8 m=34 s=6
